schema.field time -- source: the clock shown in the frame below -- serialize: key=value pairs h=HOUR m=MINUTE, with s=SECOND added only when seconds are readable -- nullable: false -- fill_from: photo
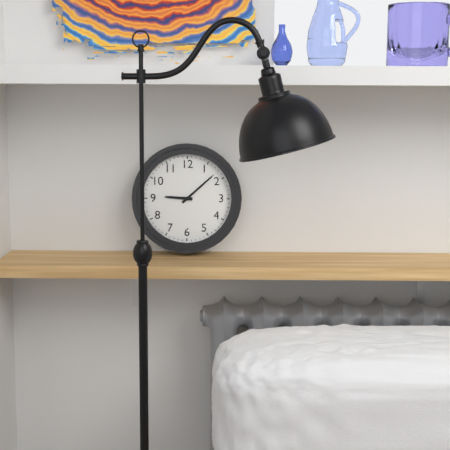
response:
h=9 m=8
